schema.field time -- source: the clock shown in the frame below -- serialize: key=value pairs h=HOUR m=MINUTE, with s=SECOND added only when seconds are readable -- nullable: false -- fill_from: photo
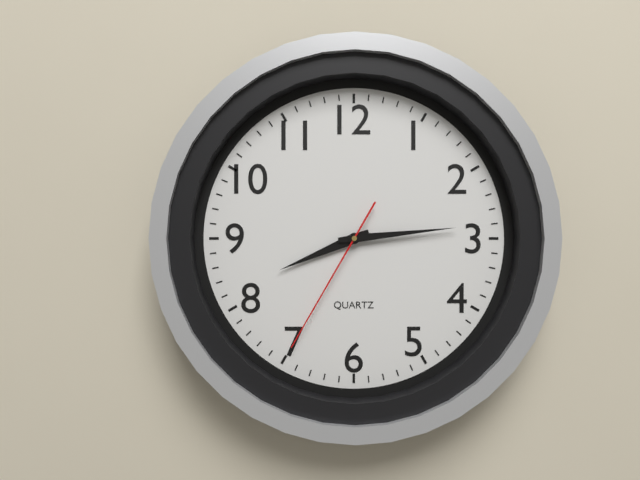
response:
h=8 m=14 s=35
